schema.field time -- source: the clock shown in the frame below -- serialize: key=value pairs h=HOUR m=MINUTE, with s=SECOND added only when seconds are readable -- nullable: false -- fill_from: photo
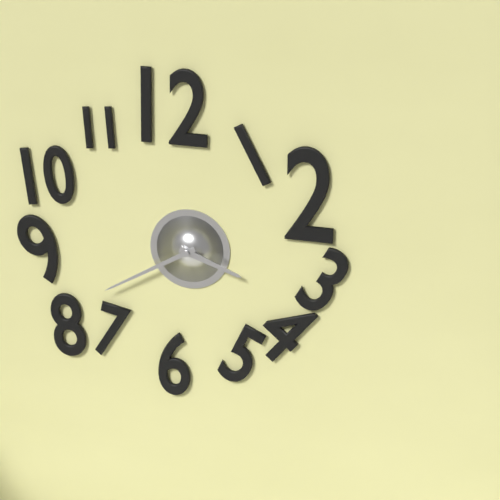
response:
h=3 m=40
